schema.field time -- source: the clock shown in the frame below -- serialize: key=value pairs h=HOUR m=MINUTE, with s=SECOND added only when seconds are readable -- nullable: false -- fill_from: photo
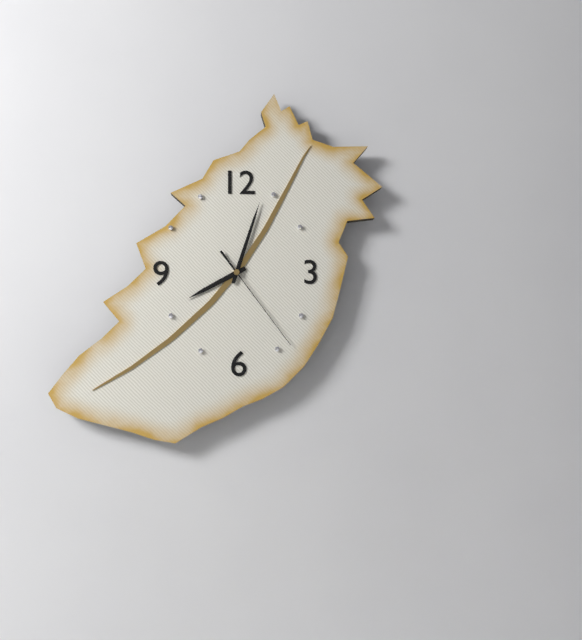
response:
h=8 m=3 s=24
